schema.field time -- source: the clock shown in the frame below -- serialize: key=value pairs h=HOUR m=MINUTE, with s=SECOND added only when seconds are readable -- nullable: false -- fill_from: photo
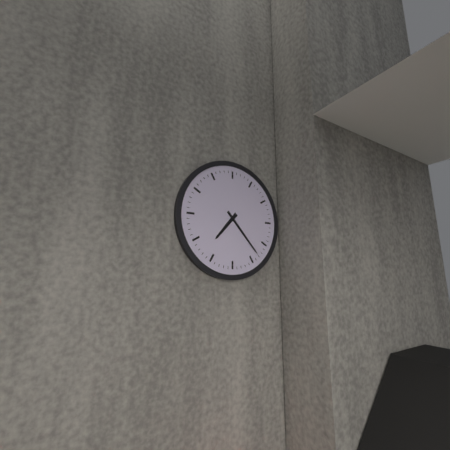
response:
h=7 m=23
